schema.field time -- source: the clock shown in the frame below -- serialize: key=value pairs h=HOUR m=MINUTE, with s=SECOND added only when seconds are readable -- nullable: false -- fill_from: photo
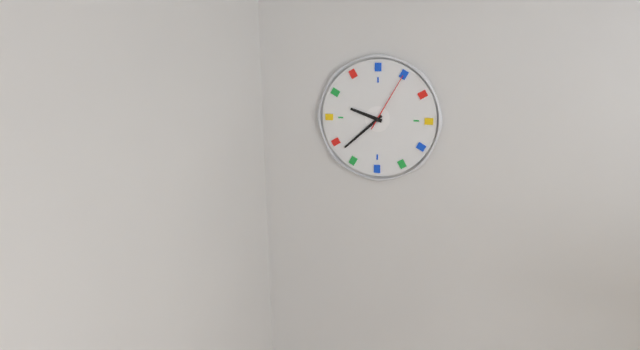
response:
h=9 m=38 s=5
